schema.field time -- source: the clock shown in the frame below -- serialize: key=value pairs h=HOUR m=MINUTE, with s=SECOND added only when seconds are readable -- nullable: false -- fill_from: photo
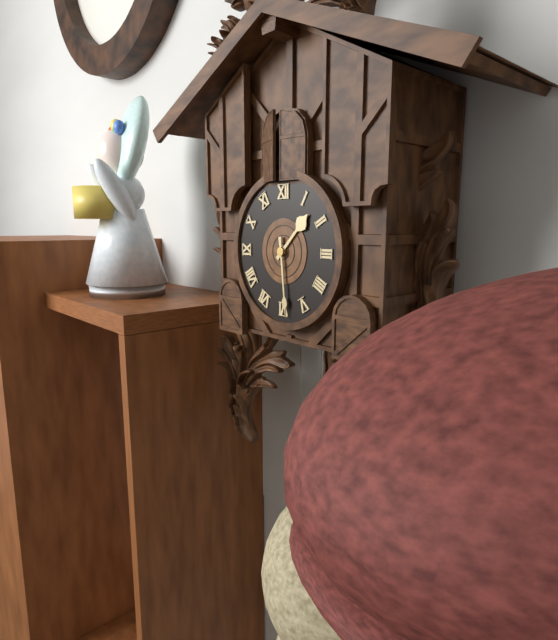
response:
h=1 m=29
